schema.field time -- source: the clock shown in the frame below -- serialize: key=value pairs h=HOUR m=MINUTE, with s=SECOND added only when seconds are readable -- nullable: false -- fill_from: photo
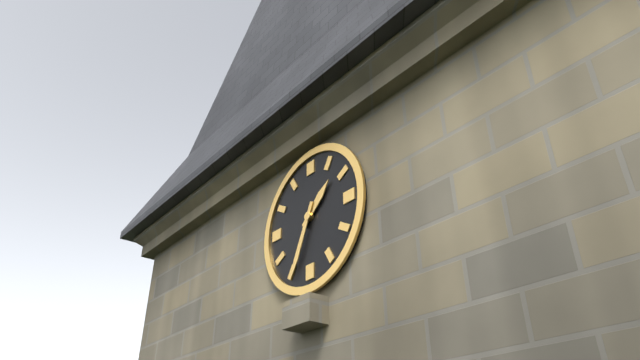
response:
h=1 m=34
